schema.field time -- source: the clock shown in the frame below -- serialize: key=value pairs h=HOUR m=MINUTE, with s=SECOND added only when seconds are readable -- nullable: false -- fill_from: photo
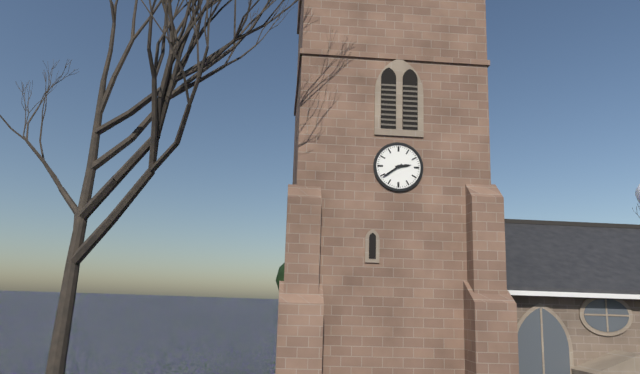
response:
h=2 m=39
